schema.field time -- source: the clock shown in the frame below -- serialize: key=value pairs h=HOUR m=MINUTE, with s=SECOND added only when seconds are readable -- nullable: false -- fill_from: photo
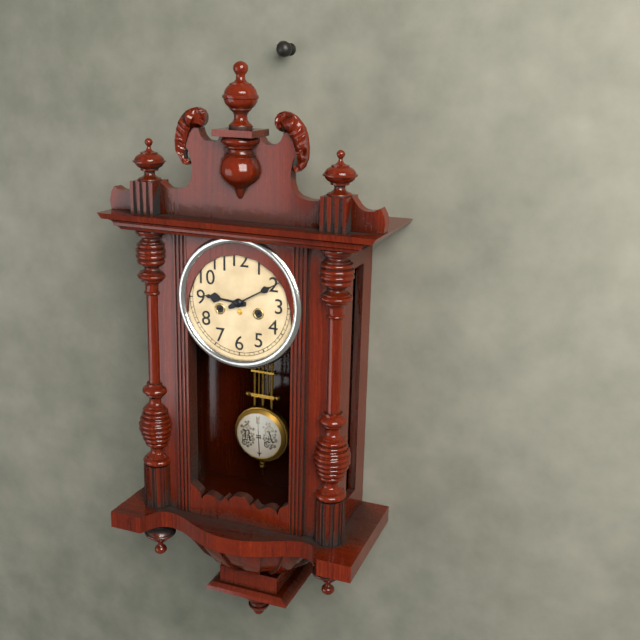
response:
h=9 m=10
